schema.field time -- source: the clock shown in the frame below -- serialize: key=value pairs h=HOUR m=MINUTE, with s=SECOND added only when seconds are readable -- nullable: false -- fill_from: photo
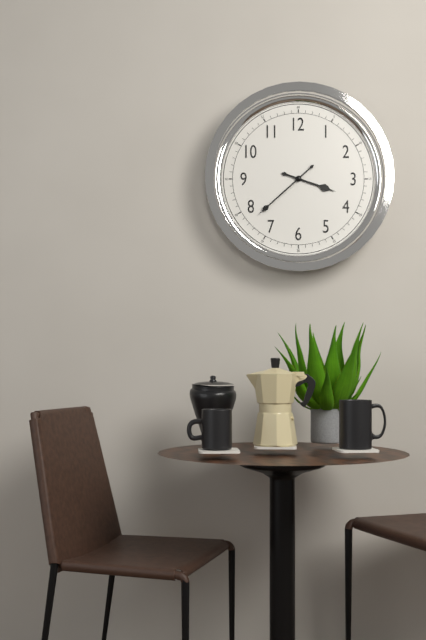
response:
h=3 m=38
